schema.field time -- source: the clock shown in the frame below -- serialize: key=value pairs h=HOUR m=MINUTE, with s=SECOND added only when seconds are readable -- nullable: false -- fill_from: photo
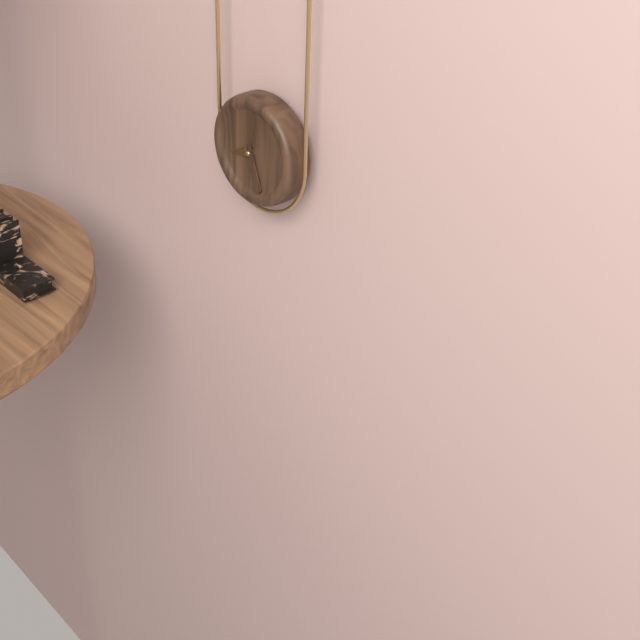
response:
h=8 m=27
